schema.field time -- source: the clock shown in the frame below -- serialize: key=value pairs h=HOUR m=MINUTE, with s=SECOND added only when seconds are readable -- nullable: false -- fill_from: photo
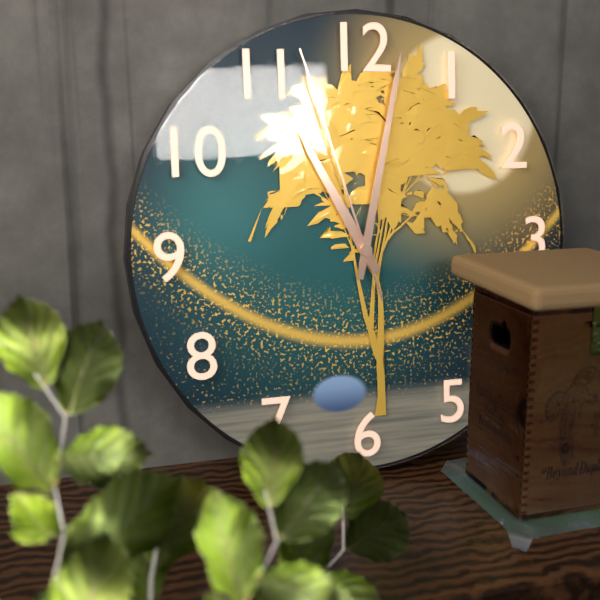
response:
h=11 m=2 s=57
